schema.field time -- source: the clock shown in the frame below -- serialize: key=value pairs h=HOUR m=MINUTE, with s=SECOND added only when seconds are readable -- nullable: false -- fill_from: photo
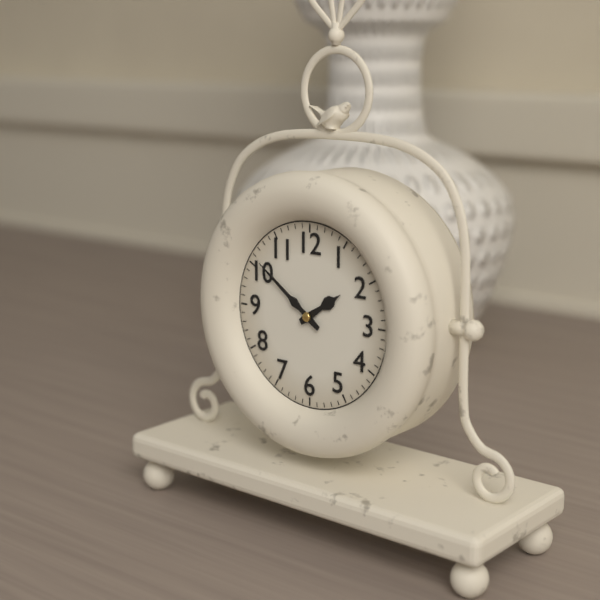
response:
h=1 m=51
